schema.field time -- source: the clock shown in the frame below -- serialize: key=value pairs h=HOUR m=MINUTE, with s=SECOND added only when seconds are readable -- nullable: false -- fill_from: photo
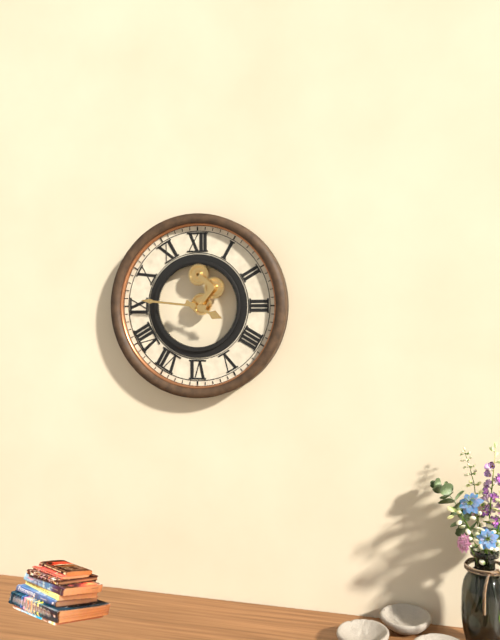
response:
h=3 m=46
